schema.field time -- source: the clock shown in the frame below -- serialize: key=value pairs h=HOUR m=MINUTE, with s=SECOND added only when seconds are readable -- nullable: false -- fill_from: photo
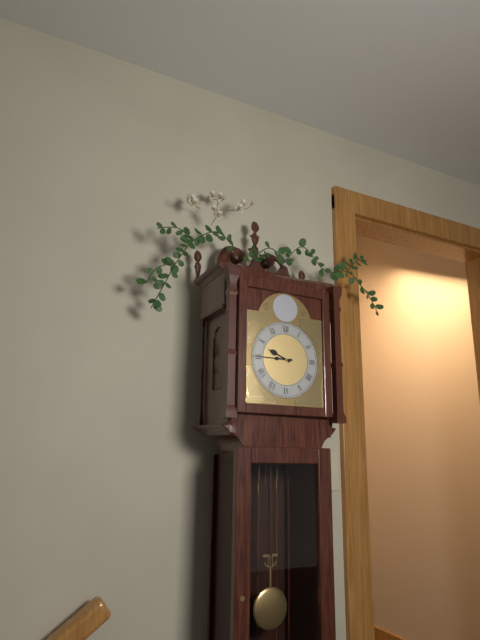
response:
h=9 m=45
